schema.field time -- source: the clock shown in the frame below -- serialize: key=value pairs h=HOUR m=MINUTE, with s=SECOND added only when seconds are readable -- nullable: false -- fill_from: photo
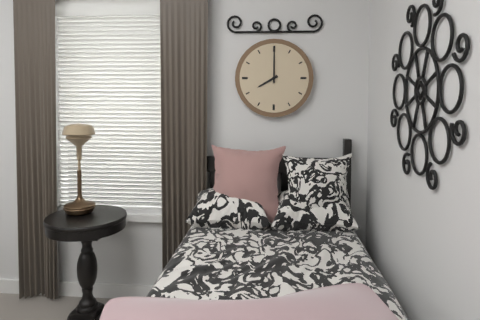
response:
h=8 m=0
